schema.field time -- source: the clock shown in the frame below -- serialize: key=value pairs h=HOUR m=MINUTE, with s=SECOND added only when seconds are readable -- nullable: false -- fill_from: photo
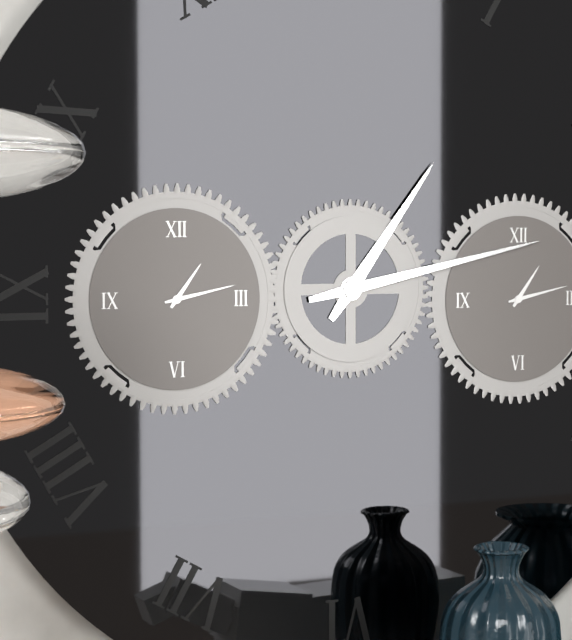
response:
h=1 m=13
